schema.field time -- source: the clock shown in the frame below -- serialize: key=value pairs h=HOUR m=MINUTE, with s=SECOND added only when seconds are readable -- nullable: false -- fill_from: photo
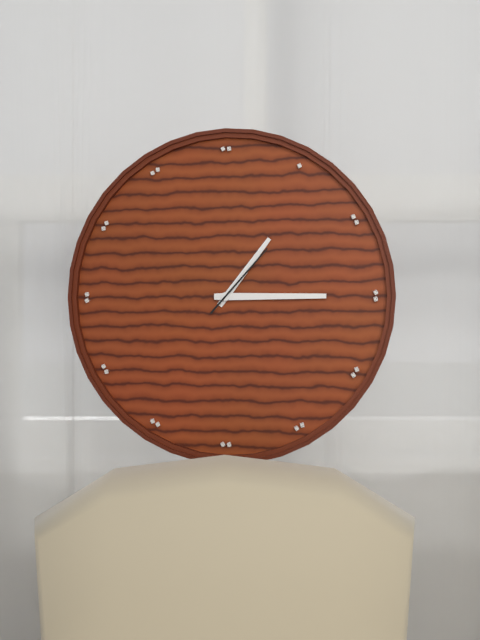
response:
h=1 m=15 s=7
